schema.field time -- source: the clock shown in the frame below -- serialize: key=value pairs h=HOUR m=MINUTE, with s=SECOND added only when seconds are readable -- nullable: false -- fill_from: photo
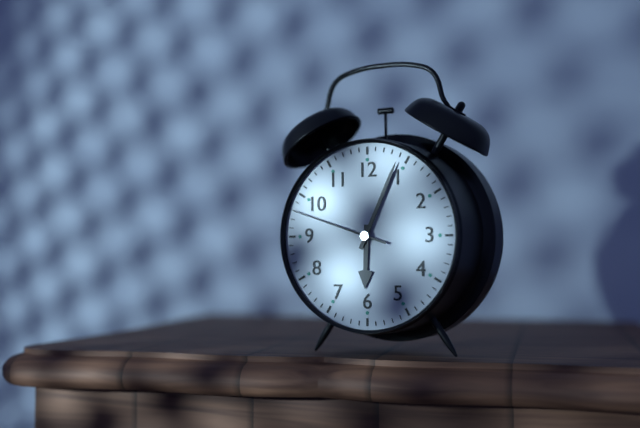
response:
h=6 m=4 s=48
